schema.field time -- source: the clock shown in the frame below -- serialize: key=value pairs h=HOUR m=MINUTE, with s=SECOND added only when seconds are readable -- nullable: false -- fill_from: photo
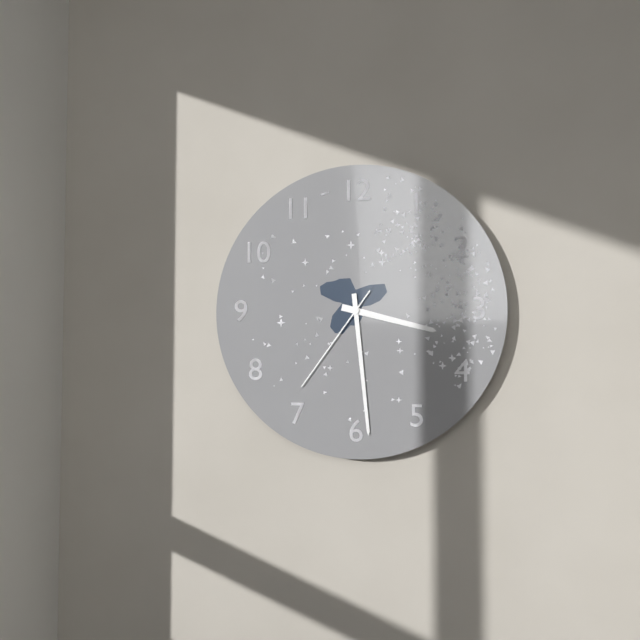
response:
h=3 m=29 s=36
